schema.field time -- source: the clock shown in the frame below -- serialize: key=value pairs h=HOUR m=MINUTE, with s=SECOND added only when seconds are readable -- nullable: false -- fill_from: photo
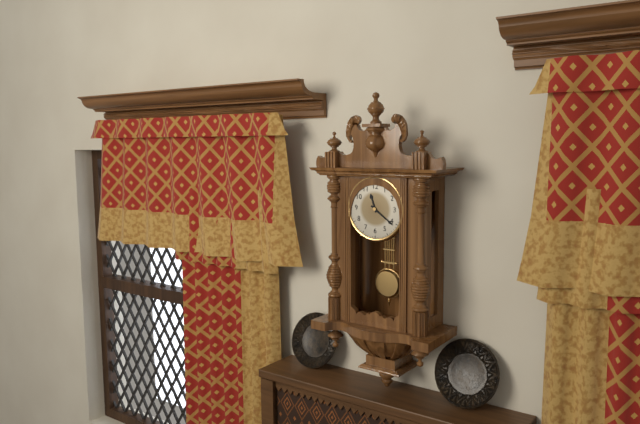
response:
h=11 m=21
